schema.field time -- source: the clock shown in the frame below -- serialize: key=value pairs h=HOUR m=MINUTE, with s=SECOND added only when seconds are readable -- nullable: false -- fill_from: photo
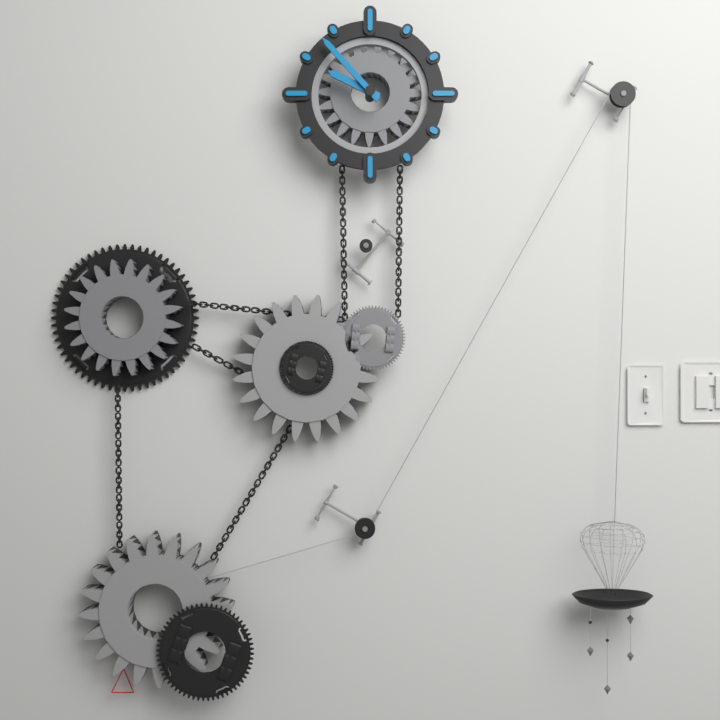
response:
h=9 m=53
